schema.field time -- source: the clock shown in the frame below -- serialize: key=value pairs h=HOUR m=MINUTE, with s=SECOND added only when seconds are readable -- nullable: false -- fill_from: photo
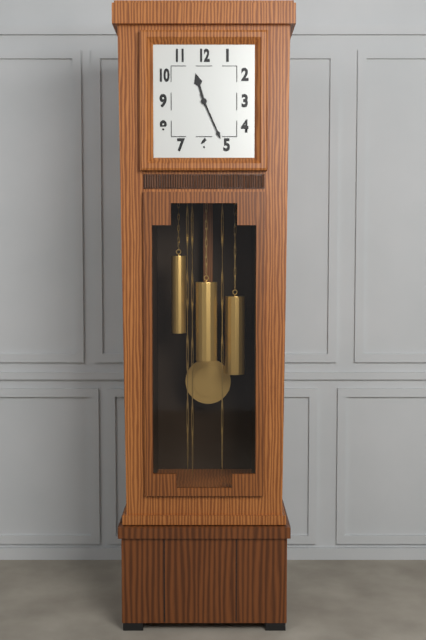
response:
h=11 m=26
